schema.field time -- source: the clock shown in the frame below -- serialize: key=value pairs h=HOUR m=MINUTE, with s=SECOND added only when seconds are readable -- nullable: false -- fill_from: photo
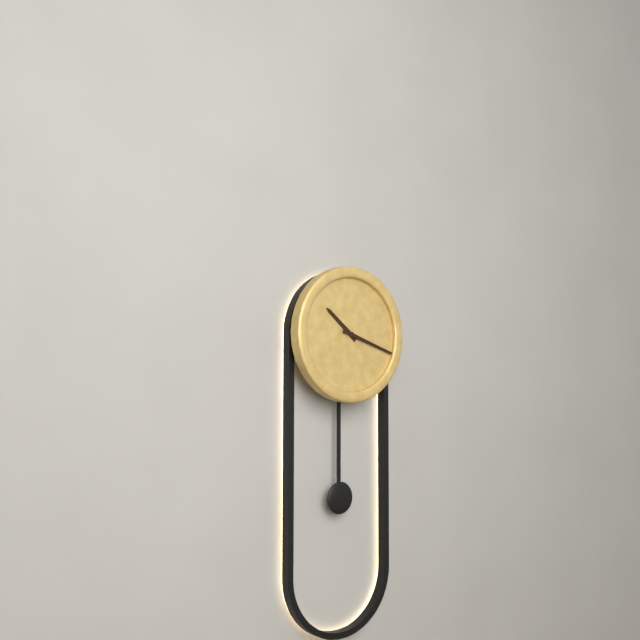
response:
h=10 m=18
